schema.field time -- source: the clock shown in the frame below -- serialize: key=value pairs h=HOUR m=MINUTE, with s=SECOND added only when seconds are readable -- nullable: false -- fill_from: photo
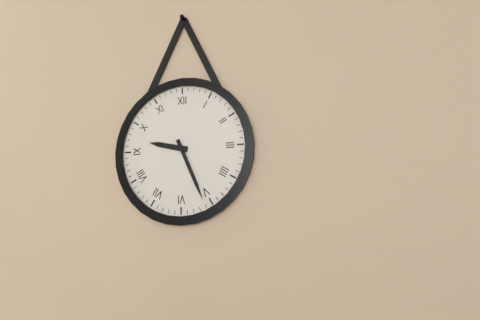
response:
h=9 m=26
